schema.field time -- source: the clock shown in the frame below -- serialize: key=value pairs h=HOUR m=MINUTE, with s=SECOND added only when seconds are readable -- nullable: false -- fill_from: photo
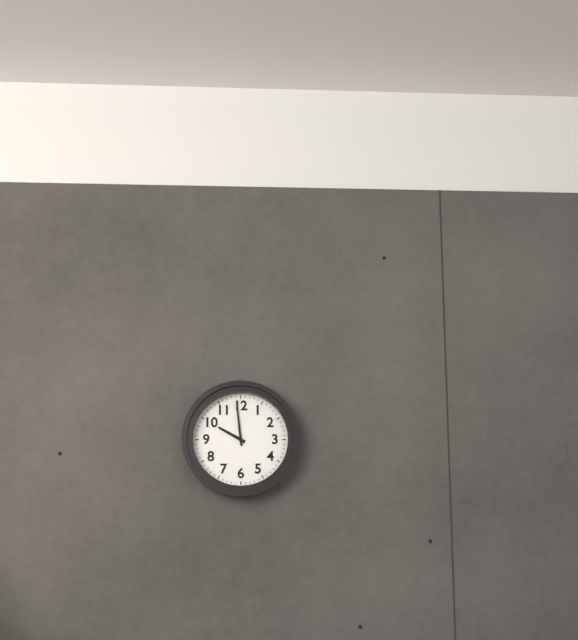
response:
h=9 m=59
